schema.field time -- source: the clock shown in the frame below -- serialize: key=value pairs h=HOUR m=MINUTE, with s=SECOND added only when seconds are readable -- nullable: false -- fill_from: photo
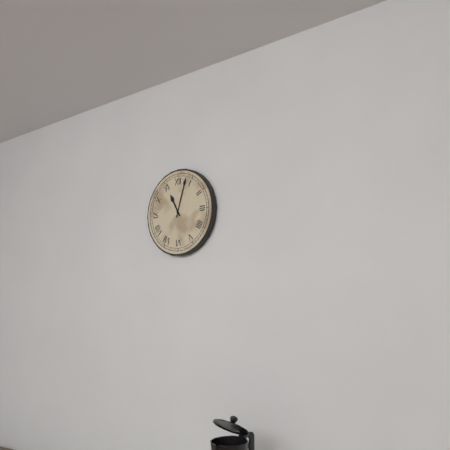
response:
h=11 m=3
